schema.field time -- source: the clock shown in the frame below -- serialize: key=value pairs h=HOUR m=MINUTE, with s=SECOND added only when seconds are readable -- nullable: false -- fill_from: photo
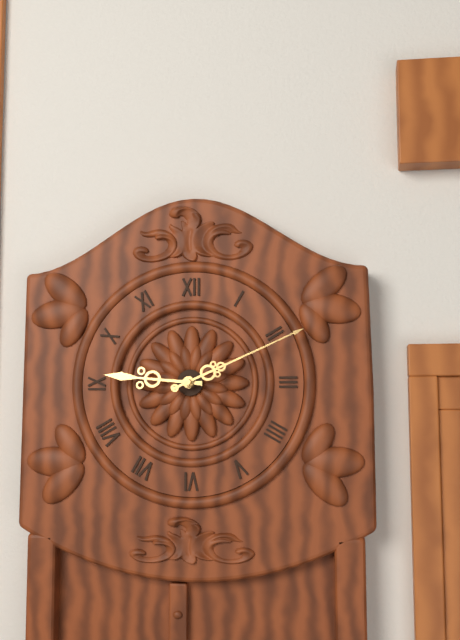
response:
h=9 m=11
